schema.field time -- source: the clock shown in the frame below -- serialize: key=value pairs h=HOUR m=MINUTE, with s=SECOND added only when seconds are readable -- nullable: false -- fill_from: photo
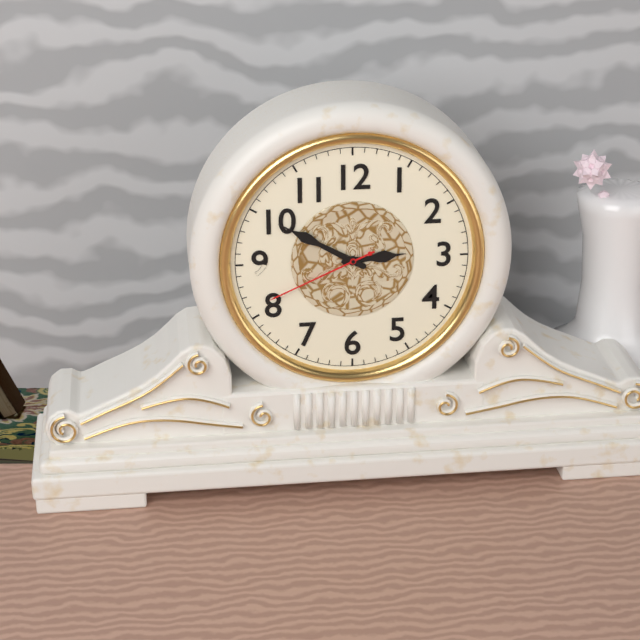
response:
h=2 m=50 s=41
